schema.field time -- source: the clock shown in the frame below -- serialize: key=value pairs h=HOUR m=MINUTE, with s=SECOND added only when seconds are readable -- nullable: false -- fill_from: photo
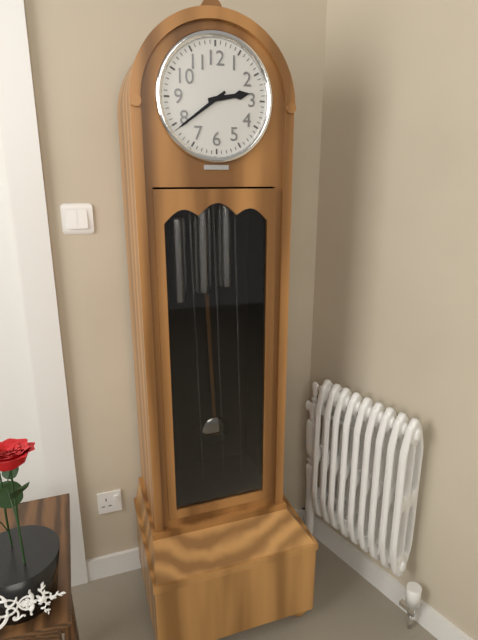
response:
h=2 m=39
